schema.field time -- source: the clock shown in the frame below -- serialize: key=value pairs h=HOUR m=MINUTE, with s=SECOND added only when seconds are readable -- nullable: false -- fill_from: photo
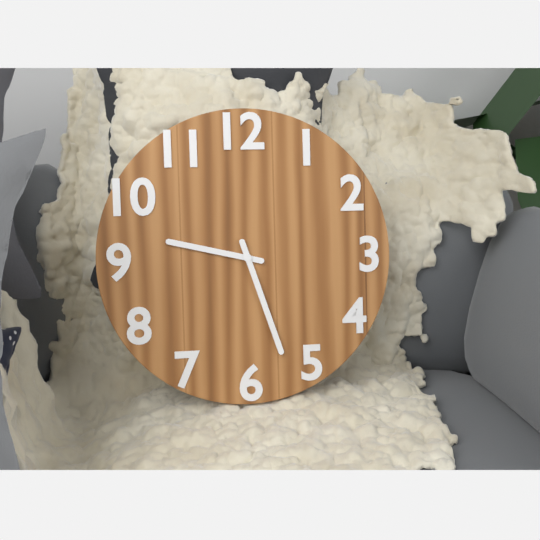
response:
h=9 m=27
